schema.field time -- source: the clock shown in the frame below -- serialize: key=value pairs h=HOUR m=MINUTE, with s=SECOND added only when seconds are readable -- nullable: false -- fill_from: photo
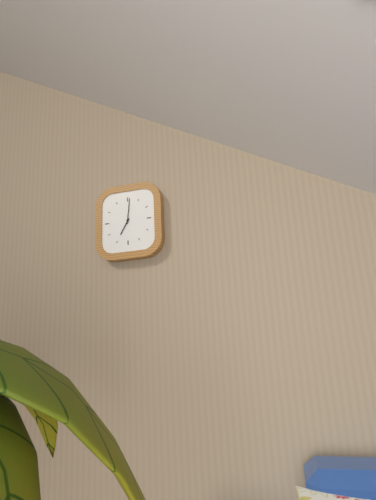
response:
h=7 m=1
